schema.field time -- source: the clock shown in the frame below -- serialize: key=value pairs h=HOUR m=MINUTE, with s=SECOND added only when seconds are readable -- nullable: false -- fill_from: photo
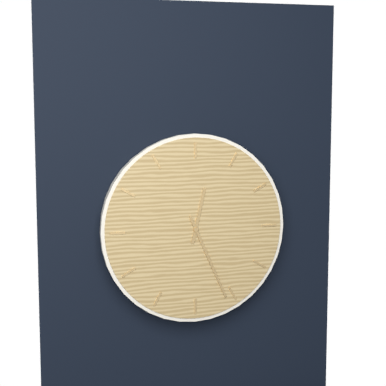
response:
h=12 m=26
